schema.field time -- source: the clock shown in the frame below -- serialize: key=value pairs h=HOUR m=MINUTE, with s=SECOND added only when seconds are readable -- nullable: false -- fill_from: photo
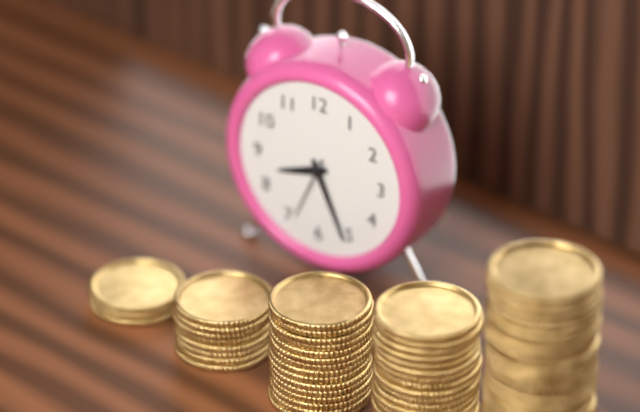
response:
h=8 m=26 s=34
